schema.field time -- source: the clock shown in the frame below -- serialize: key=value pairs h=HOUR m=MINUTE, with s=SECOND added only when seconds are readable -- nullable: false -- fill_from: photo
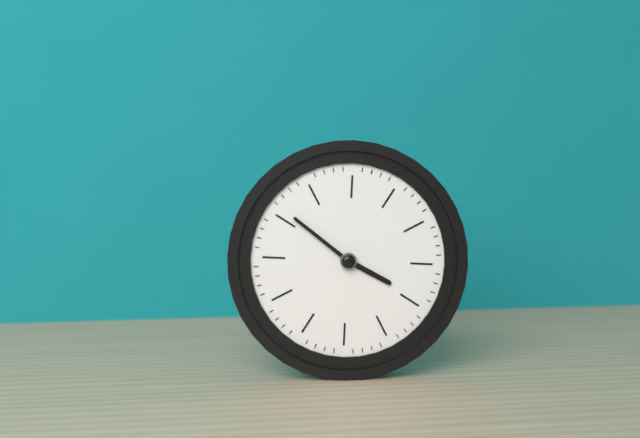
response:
h=3 m=51
